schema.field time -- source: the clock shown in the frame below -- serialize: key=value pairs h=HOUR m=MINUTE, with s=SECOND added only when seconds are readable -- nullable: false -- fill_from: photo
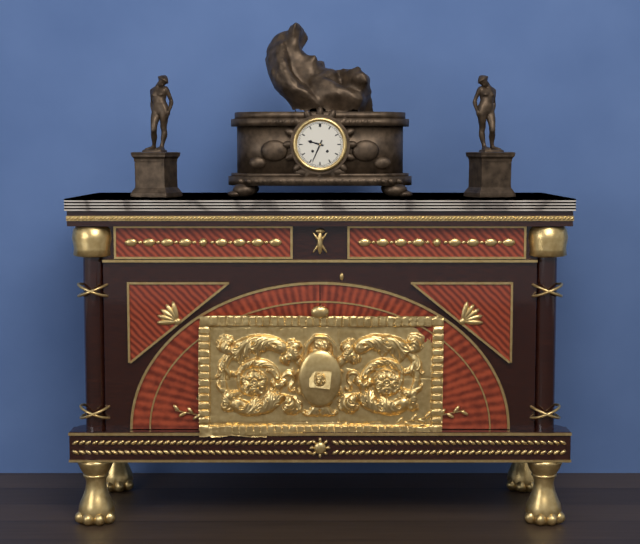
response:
h=9 m=34
